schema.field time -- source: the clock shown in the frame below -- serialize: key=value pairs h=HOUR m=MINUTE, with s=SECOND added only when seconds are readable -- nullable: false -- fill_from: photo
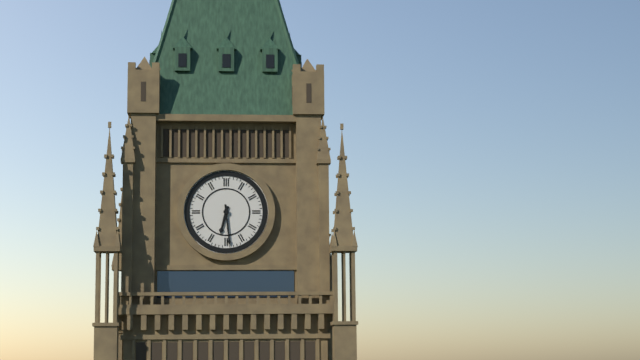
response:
h=6 m=29
